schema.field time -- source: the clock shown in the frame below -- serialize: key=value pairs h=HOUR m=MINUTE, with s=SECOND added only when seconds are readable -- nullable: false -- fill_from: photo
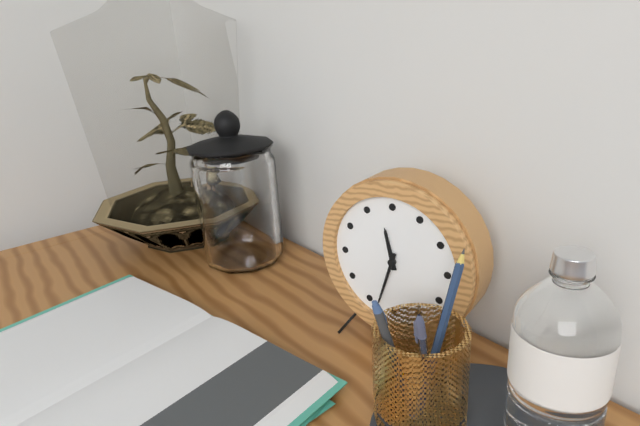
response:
h=11 m=33
